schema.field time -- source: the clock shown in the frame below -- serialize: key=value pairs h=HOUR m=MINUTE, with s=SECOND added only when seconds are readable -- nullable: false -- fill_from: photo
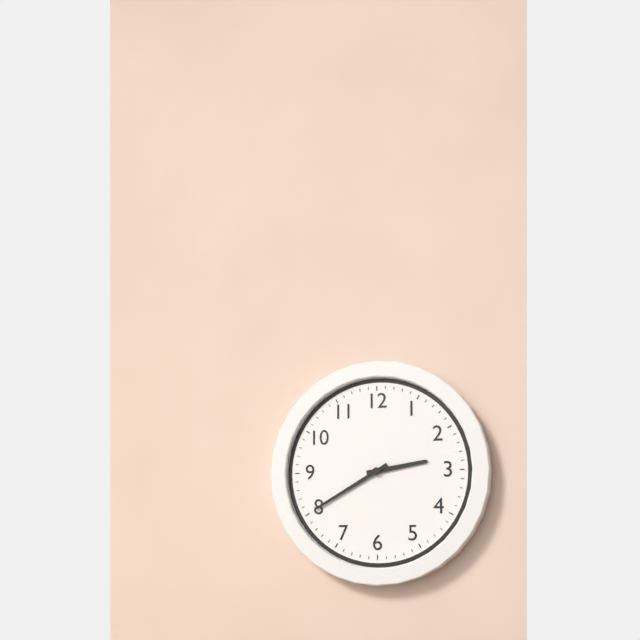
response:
h=2 m=40
